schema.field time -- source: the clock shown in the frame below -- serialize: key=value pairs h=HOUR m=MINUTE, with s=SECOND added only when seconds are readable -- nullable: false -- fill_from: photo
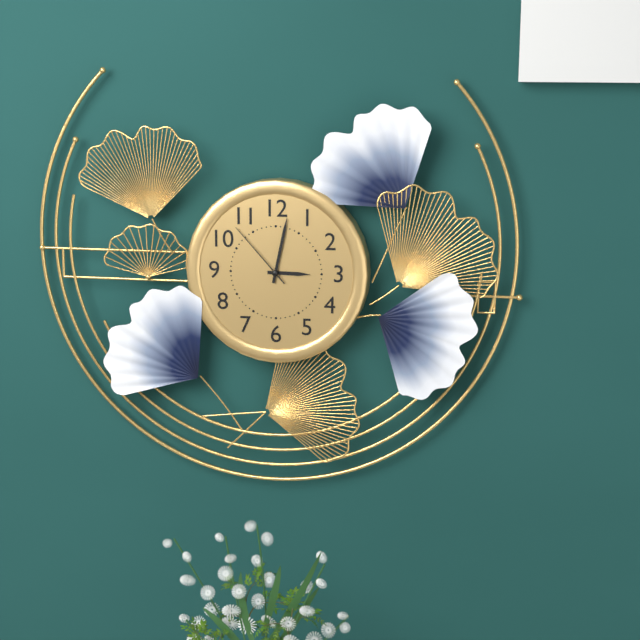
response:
h=3 m=2 s=53
